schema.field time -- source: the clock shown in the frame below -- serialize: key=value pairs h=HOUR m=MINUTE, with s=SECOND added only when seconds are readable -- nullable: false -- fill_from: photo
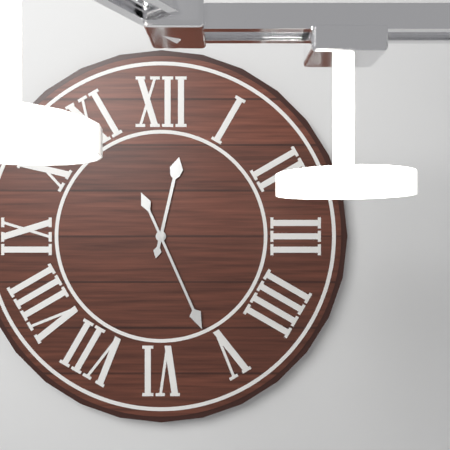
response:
h=12 m=26
